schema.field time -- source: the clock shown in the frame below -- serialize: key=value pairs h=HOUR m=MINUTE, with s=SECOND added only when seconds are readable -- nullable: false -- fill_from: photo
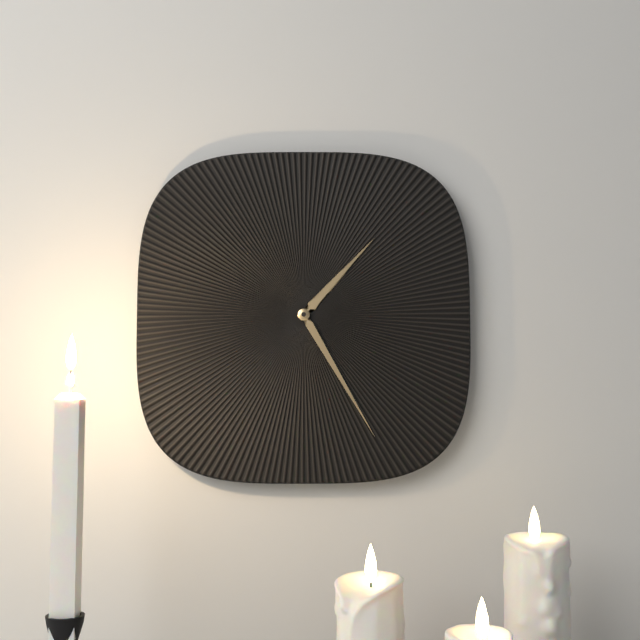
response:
h=1 m=25
